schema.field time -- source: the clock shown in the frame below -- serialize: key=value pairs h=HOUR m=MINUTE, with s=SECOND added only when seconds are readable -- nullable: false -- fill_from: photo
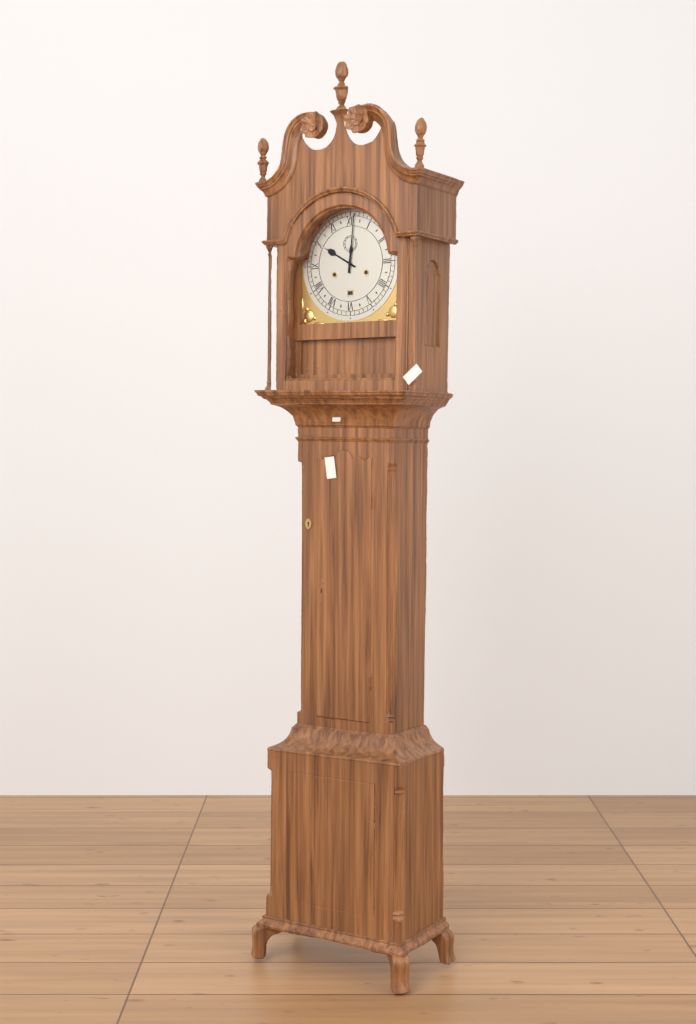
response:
h=10 m=1
